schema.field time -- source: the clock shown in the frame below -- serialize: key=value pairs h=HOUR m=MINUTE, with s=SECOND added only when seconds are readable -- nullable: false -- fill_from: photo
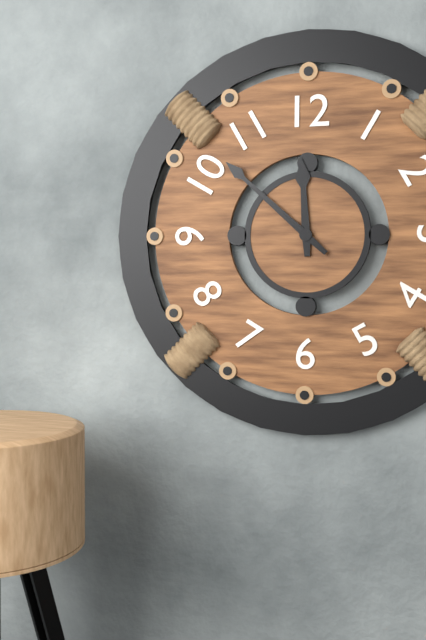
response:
h=11 m=52
